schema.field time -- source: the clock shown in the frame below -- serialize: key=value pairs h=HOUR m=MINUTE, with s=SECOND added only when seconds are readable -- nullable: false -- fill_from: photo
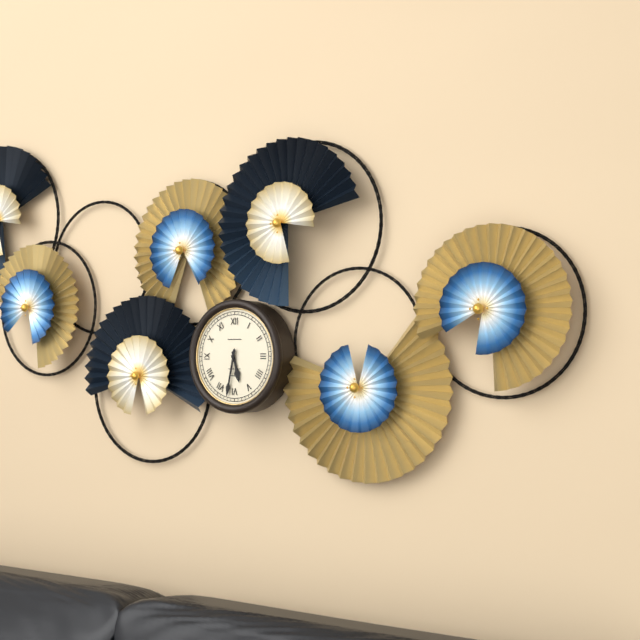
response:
h=5 m=32
